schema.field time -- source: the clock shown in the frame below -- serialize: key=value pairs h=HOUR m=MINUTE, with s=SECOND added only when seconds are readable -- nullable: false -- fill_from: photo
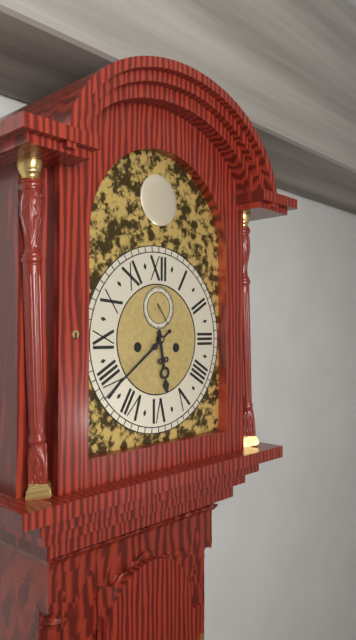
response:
h=5 m=39
